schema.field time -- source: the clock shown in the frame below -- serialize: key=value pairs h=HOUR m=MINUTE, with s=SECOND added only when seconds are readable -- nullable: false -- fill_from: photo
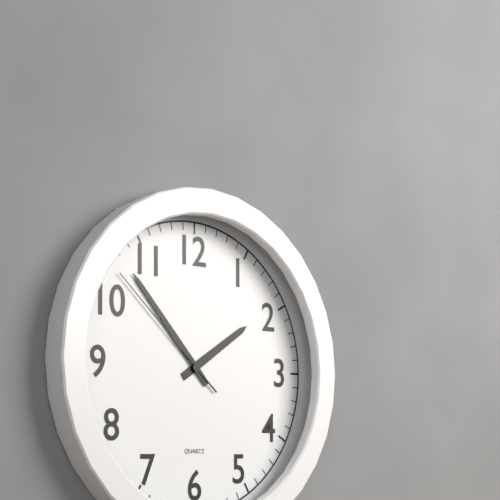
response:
h=1 m=53 s=52
